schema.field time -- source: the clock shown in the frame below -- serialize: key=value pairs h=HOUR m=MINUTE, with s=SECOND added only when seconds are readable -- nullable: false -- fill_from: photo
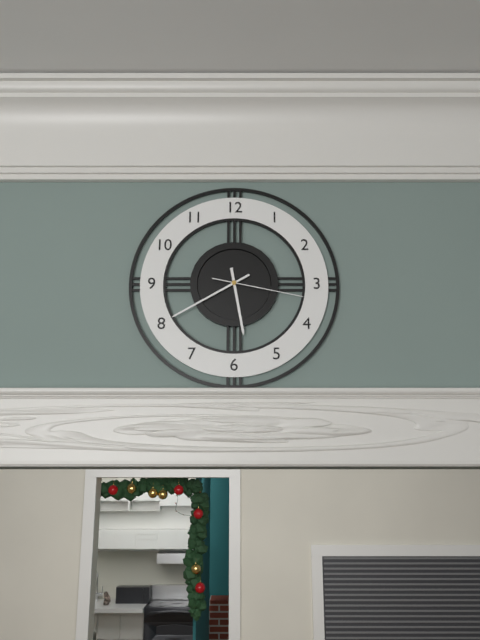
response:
h=5 m=40 s=17
